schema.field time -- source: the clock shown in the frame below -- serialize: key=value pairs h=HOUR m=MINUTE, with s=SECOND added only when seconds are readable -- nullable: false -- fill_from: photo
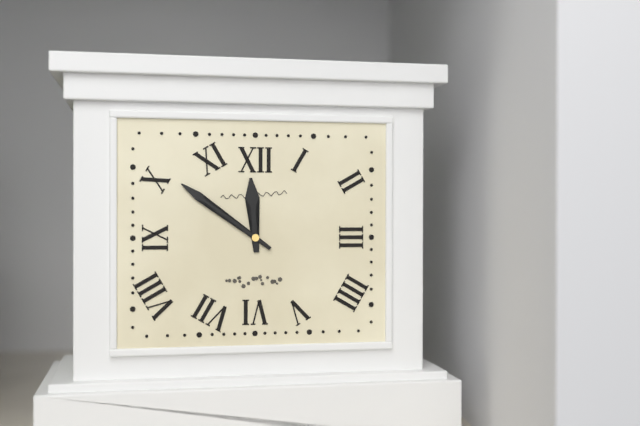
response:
h=11 m=51
